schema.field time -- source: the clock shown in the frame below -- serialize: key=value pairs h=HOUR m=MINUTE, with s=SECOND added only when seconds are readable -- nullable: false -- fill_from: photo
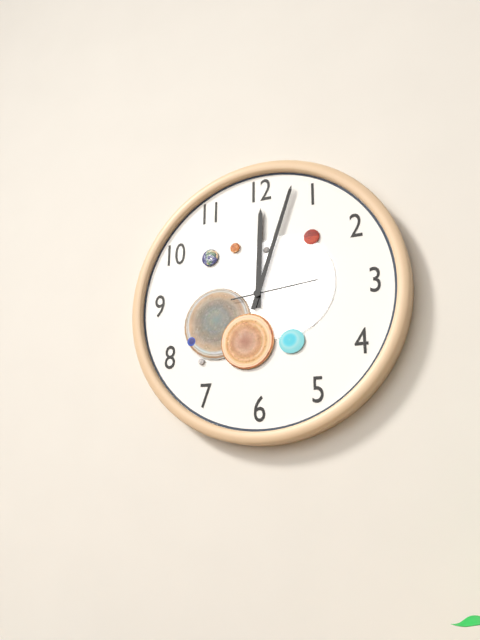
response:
h=12 m=3 s=14
